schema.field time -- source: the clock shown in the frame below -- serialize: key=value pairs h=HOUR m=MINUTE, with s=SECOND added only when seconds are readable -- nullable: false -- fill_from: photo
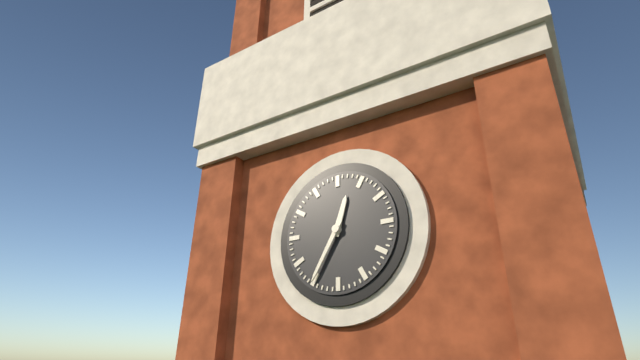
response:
h=12 m=35
